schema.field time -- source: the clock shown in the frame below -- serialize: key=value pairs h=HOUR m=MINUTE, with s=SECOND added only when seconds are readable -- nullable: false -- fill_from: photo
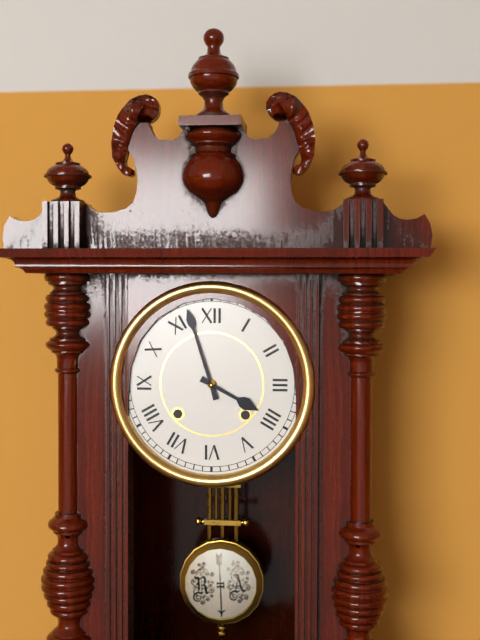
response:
h=3 m=57
